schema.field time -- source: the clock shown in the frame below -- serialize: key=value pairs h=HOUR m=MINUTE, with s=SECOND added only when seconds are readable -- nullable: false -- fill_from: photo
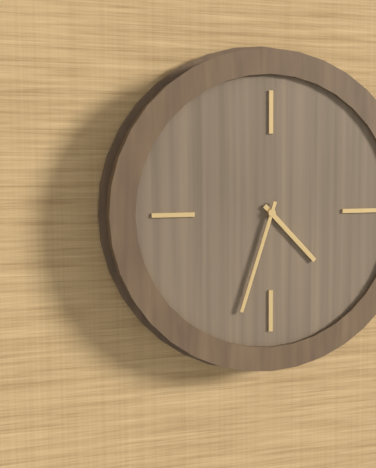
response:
h=4 m=33
